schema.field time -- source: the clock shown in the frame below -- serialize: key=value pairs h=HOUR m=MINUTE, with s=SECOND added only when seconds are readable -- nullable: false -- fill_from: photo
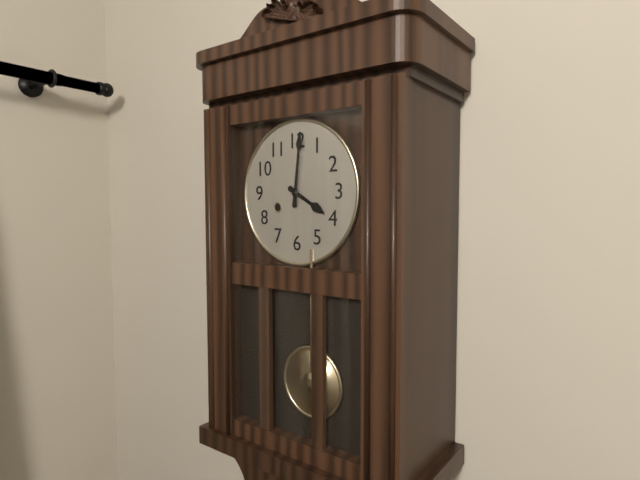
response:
h=4 m=1
